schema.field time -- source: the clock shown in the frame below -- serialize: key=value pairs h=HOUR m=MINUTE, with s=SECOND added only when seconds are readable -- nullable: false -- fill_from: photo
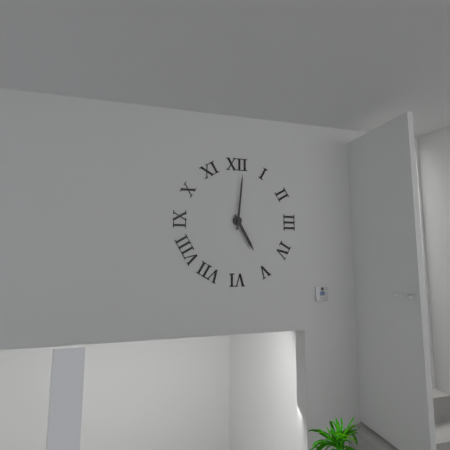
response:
h=5 m=1
